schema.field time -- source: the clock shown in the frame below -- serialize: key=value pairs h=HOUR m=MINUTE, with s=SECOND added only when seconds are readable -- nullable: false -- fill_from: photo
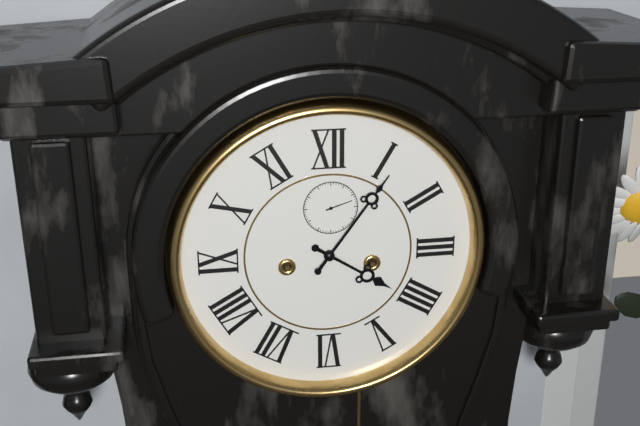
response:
h=4 m=6
